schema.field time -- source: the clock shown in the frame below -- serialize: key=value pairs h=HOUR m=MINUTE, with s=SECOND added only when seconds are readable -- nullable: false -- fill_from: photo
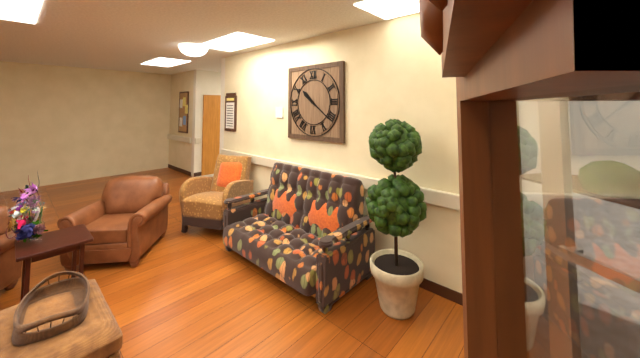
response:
h=10 m=21
